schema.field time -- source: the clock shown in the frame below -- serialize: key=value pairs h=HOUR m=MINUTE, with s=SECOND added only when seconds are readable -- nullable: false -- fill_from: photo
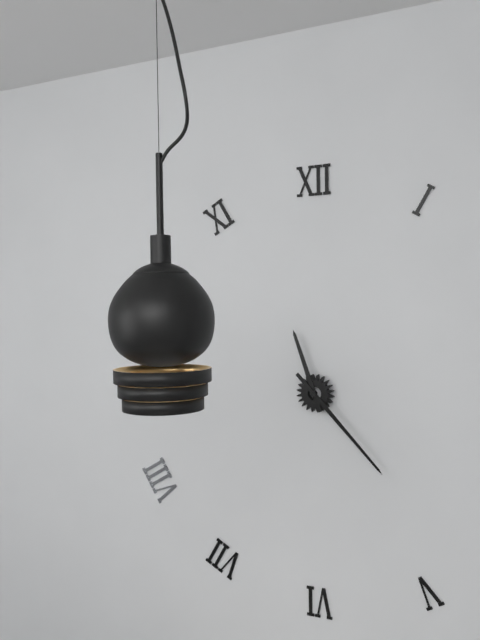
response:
h=11 m=23
